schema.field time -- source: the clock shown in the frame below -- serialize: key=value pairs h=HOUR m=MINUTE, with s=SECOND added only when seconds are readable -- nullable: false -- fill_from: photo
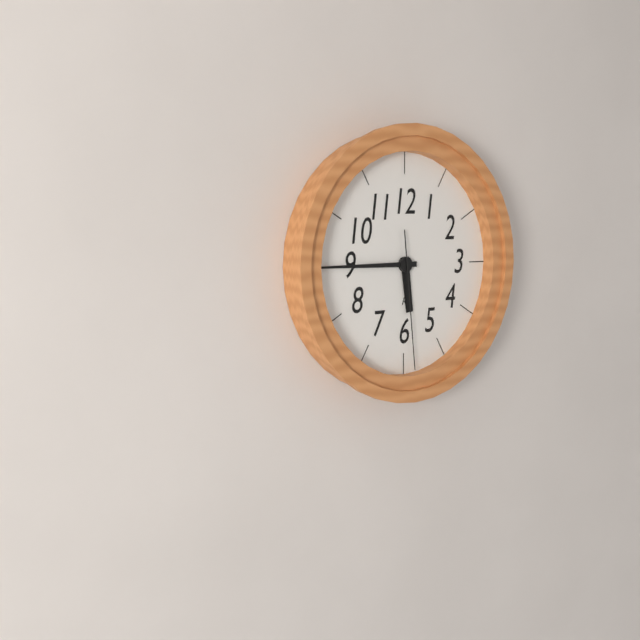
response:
h=5 m=45 s=29
